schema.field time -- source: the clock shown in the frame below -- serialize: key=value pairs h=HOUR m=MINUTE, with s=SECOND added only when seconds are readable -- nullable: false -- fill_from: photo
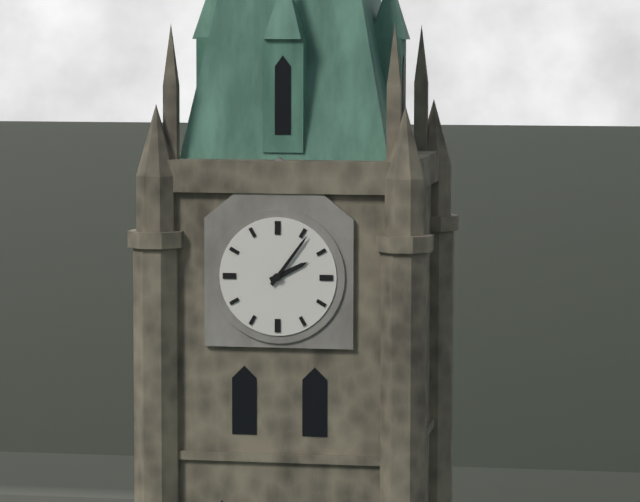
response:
h=2 m=6
